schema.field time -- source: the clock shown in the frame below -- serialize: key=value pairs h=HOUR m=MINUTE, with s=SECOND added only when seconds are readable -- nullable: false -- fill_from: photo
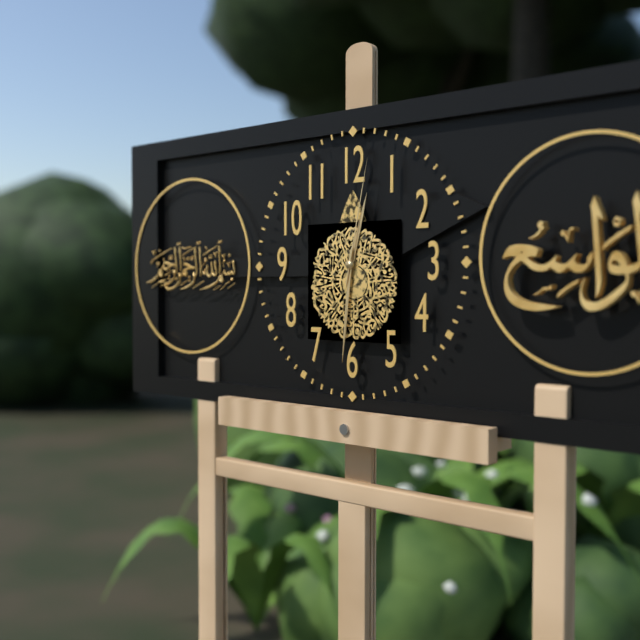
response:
h=12 m=31 s=2
